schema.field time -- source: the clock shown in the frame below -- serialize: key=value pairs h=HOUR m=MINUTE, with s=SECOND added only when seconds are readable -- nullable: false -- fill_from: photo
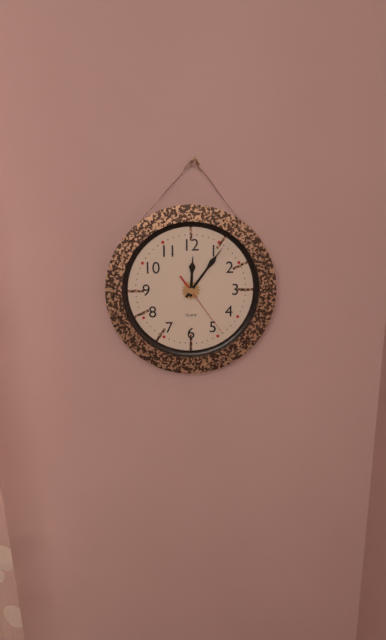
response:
h=12 m=6 s=24
